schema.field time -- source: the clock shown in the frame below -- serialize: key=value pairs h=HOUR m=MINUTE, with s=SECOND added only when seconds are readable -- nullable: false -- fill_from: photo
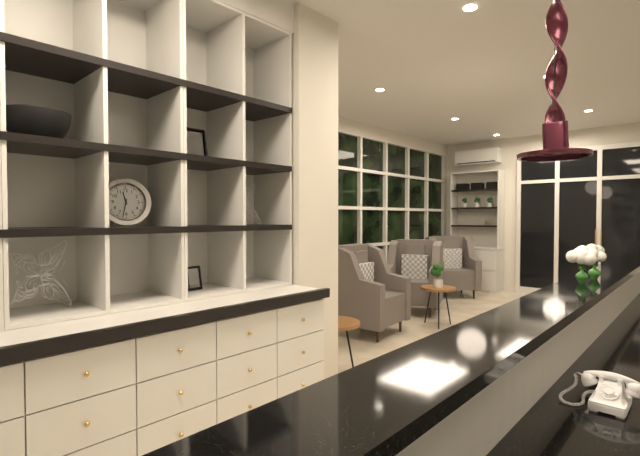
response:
h=11 m=32
